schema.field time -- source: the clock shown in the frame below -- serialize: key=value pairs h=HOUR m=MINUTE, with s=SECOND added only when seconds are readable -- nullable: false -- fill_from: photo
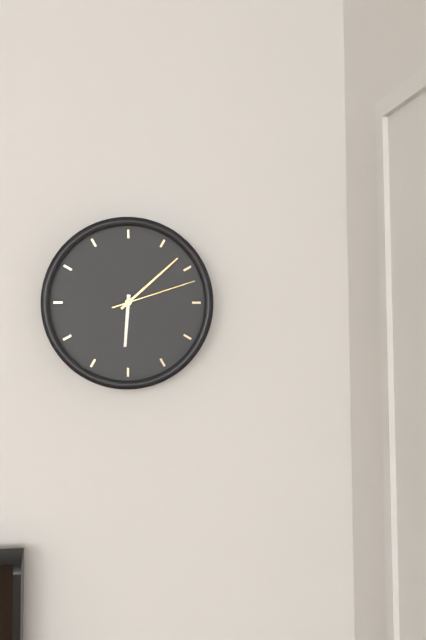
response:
h=6 m=8 s=12
